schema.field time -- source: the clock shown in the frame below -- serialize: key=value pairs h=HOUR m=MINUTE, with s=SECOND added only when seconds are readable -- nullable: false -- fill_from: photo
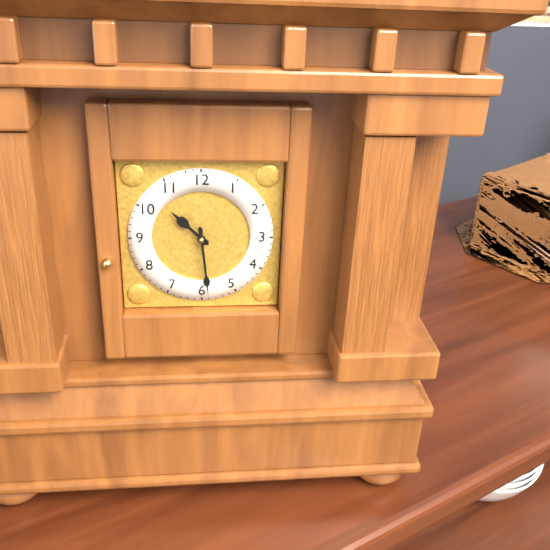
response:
h=10 m=29
